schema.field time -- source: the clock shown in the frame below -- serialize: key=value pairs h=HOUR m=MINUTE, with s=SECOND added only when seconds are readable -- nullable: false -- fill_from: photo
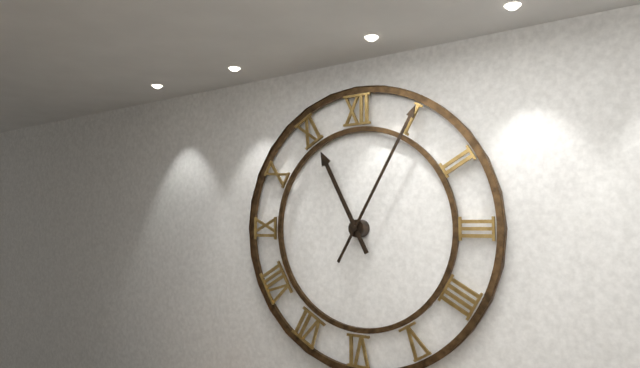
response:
h=11 m=5
